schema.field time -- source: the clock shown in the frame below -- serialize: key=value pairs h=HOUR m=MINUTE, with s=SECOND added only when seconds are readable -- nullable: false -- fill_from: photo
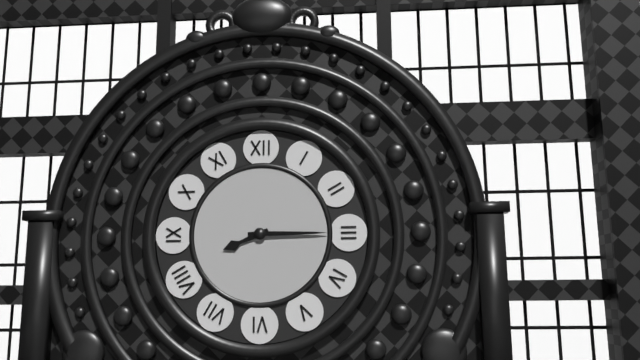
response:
h=8 m=15
